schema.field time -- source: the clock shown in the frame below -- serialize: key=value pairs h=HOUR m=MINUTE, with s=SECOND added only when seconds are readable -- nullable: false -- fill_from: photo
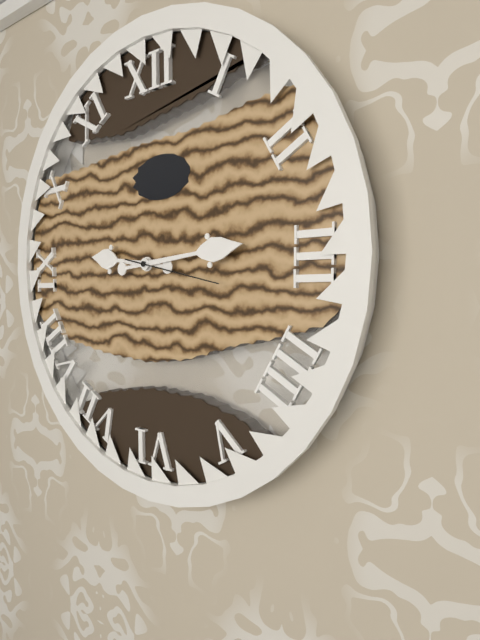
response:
h=9 m=14 s=17
